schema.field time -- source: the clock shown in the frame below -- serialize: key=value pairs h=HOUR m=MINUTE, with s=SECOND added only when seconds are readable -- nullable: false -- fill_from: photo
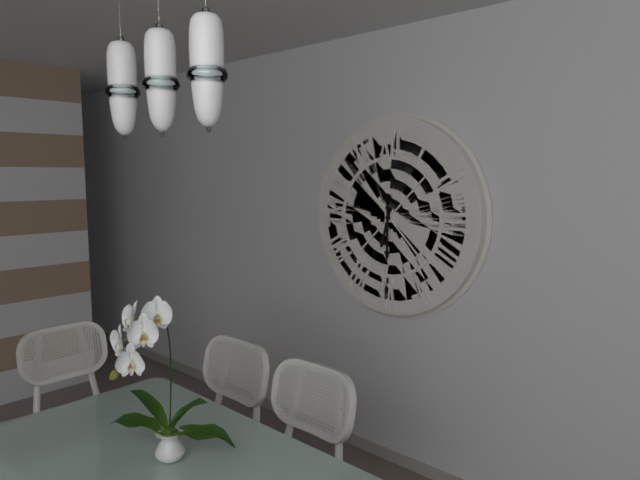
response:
h=6 m=30
